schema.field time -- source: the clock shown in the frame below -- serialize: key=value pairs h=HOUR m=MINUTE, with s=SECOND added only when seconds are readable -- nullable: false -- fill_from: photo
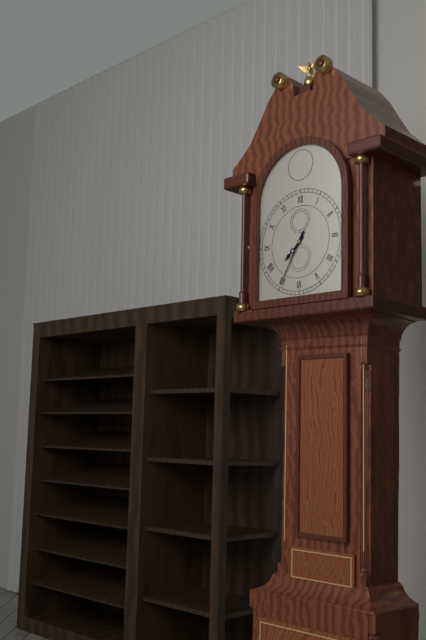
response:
h=7 m=35
